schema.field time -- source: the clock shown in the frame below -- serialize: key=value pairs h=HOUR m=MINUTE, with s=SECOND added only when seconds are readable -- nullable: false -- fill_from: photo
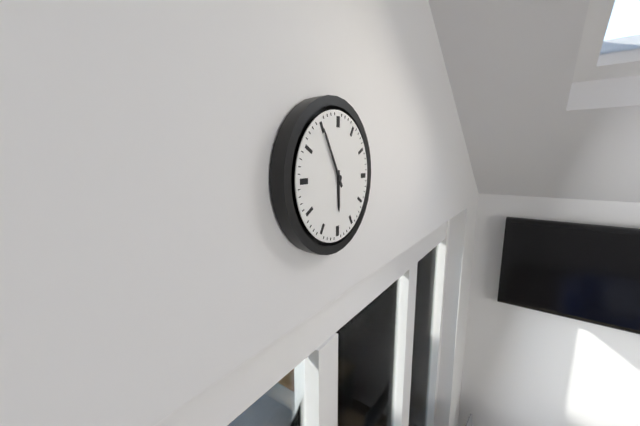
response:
h=5 m=55
